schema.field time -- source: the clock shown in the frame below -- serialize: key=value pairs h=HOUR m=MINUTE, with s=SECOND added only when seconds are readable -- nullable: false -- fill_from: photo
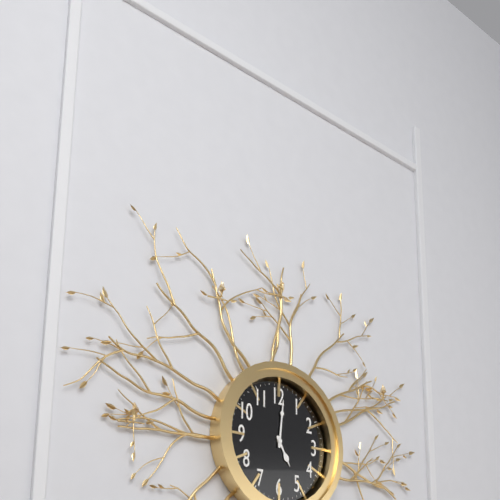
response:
h=5 m=1
